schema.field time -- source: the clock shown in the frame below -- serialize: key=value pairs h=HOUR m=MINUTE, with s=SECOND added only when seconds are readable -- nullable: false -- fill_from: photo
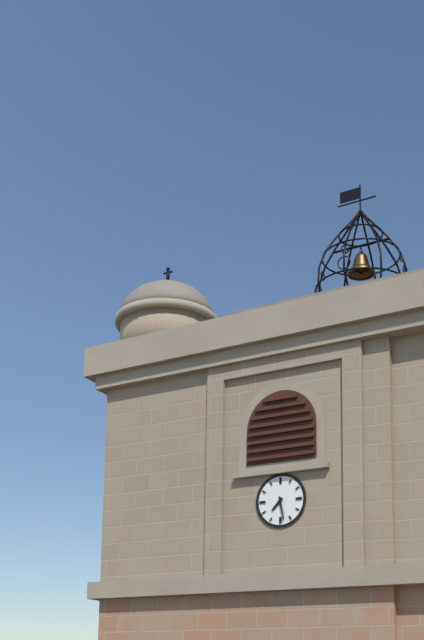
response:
h=7 m=28
